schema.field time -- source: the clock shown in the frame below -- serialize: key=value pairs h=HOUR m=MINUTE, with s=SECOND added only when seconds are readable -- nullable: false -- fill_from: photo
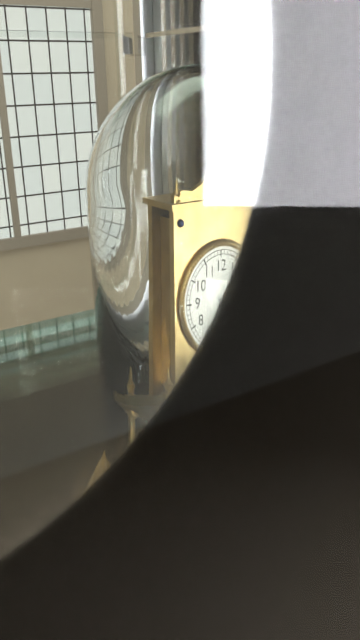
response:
h=4 m=7
